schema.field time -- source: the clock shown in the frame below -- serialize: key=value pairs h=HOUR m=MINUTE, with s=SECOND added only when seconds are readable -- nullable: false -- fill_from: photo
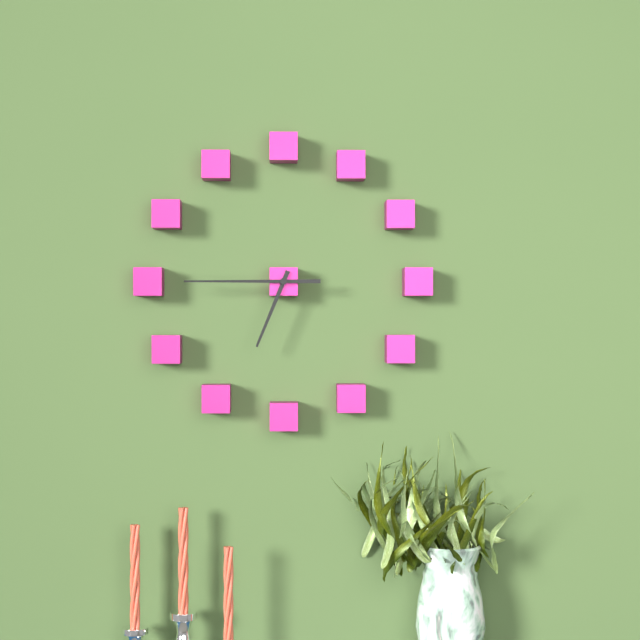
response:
h=6 m=45
